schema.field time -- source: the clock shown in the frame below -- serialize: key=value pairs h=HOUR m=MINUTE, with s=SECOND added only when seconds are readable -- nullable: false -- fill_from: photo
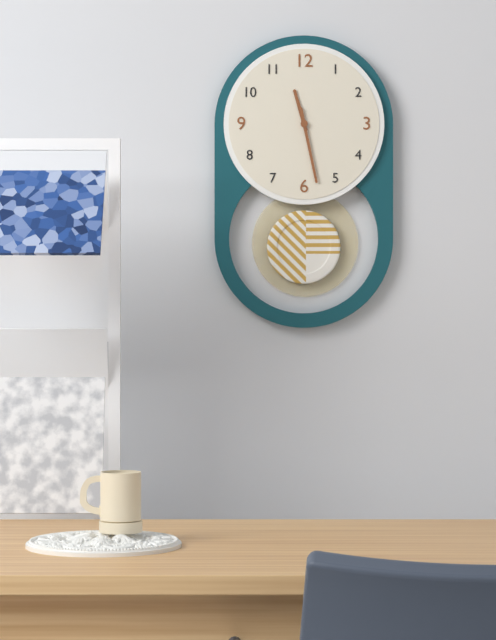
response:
h=11 m=28
